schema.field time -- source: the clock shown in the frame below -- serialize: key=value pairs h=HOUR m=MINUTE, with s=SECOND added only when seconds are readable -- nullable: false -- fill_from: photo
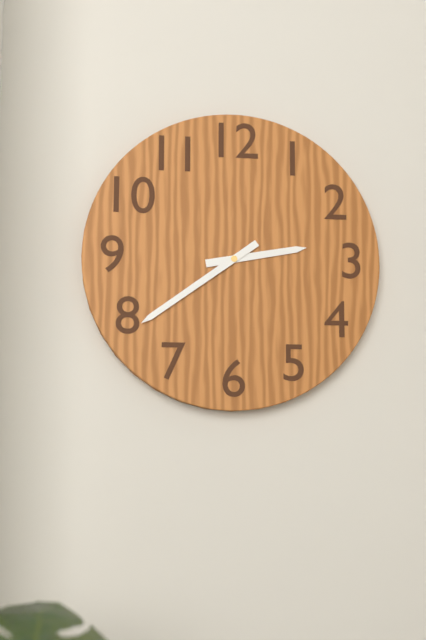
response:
h=2 m=39
